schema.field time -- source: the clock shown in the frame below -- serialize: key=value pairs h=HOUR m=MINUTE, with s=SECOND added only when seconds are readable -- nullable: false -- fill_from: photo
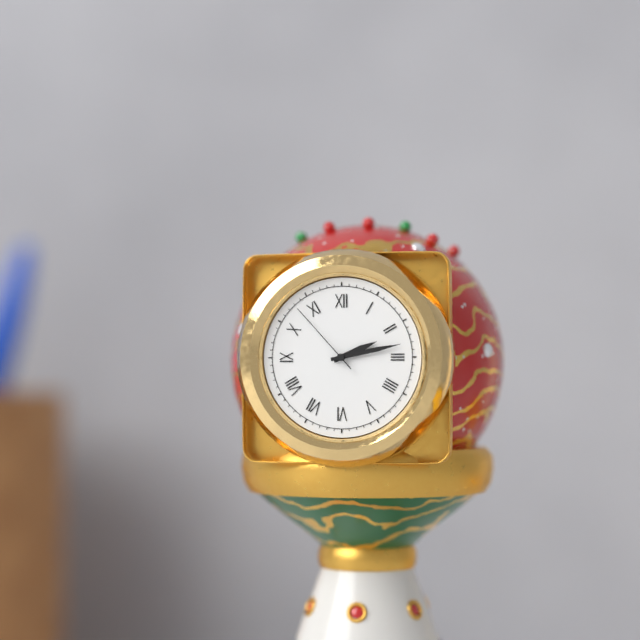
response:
h=2 m=13 s=53
